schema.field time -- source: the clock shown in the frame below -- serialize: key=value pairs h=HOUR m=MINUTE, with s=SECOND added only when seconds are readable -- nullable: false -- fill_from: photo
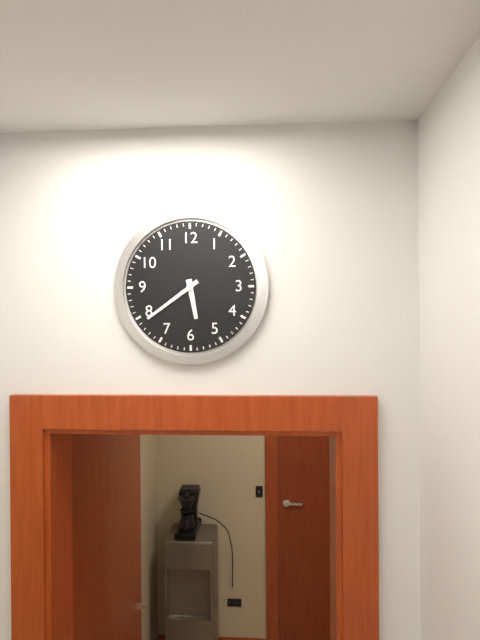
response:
h=5 m=39
